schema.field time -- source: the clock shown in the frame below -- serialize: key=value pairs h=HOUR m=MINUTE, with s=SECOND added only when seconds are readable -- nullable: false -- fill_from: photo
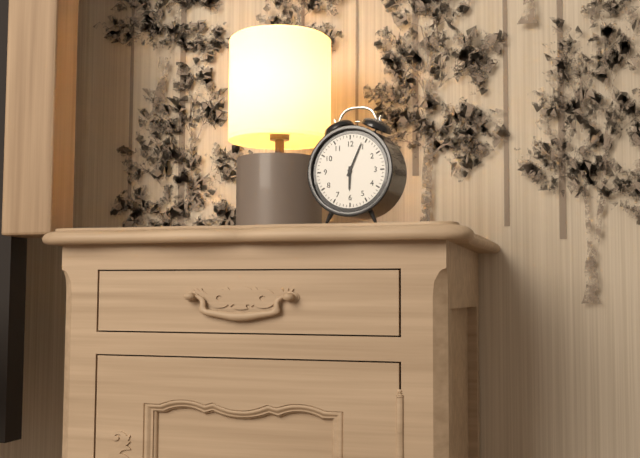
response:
h=6 m=4
